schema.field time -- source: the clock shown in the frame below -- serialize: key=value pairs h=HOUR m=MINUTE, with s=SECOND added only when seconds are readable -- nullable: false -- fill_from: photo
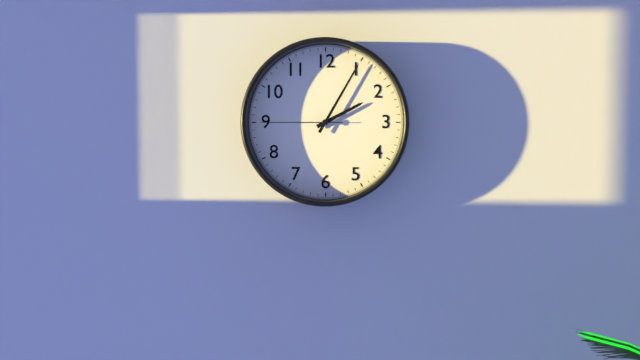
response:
h=2 m=5 s=45
